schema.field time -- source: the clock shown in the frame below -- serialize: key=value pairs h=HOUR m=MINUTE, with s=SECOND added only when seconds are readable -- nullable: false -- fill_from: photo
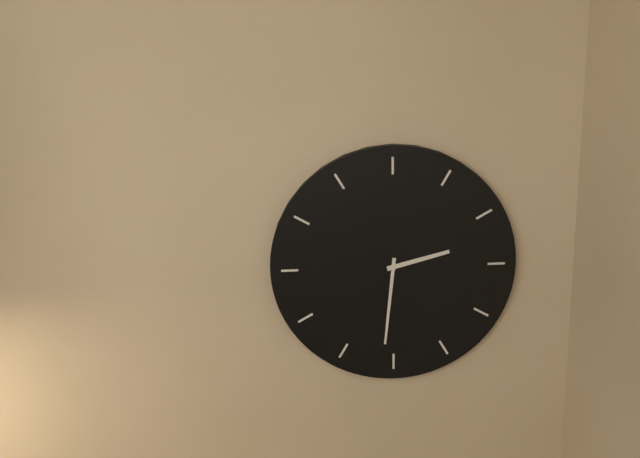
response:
h=2 m=31
